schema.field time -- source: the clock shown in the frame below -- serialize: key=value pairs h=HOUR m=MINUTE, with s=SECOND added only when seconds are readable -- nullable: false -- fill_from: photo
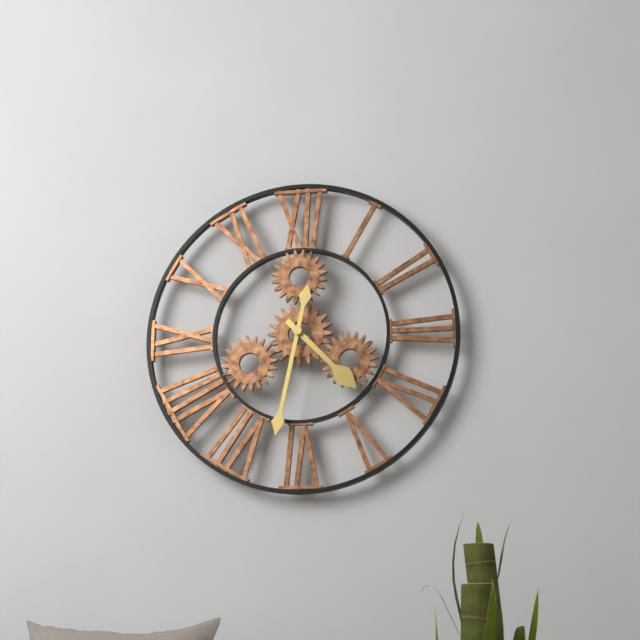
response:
h=4 m=32
